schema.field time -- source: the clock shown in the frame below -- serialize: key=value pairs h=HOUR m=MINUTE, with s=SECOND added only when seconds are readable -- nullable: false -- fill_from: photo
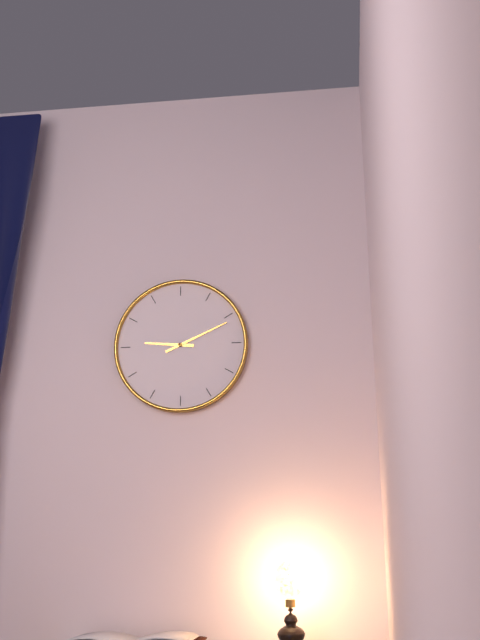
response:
h=9 m=11
